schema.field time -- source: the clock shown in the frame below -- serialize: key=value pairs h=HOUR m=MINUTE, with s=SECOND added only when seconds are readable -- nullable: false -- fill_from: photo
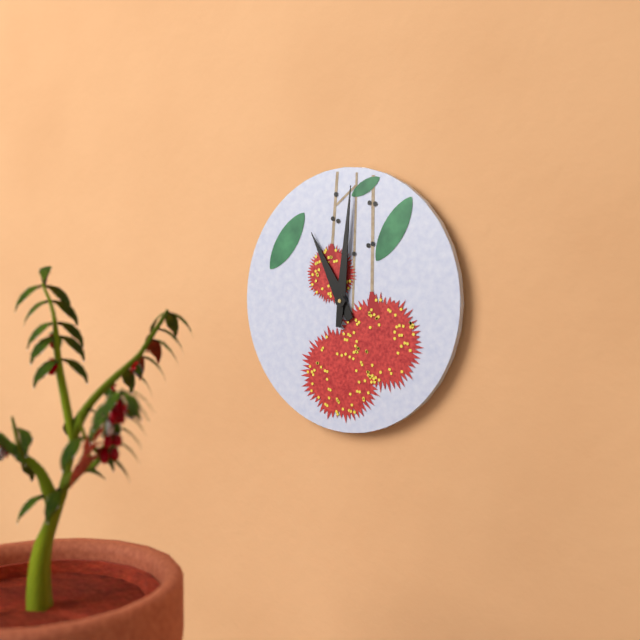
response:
h=11 m=1
